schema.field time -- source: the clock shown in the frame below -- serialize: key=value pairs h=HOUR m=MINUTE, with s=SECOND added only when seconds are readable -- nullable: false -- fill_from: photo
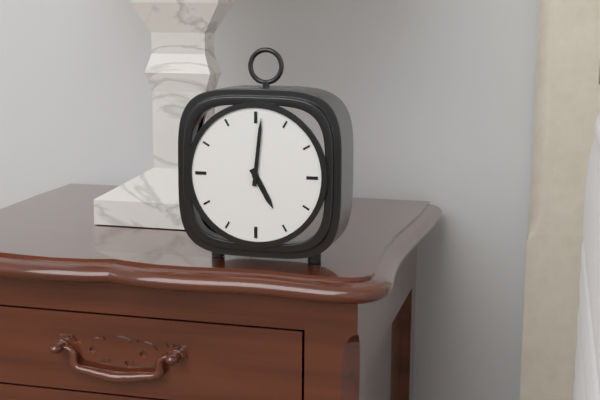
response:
h=5 m=1
